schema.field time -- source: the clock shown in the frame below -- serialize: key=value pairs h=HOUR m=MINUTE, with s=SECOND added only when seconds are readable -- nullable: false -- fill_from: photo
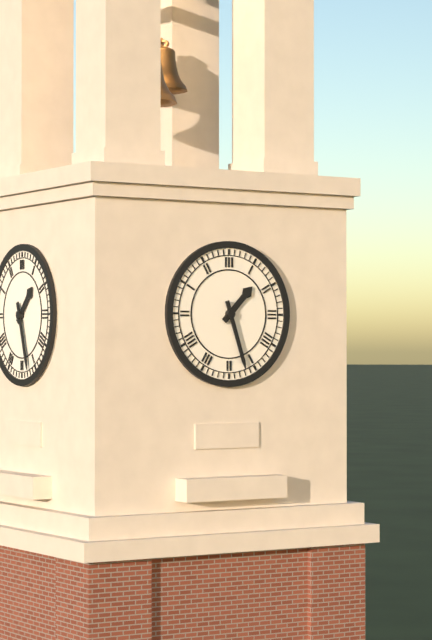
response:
h=1 m=27
